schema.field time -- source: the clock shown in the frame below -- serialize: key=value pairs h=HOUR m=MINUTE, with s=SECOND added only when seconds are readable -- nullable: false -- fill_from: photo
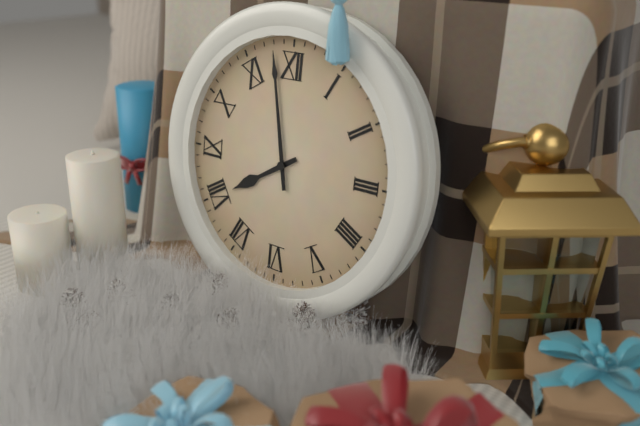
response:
h=7 m=58
